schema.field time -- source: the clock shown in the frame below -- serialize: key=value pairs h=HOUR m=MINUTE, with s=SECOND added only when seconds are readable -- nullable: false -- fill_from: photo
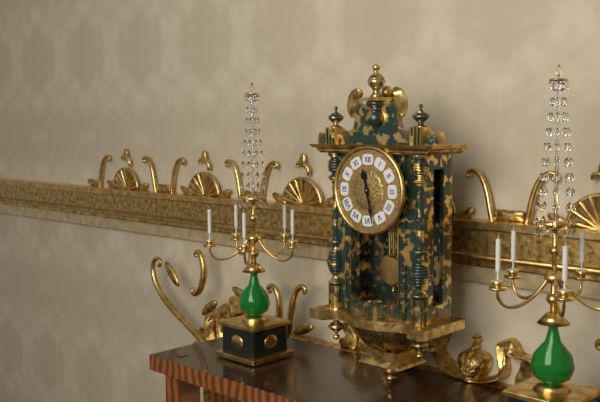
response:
h=11 m=28
